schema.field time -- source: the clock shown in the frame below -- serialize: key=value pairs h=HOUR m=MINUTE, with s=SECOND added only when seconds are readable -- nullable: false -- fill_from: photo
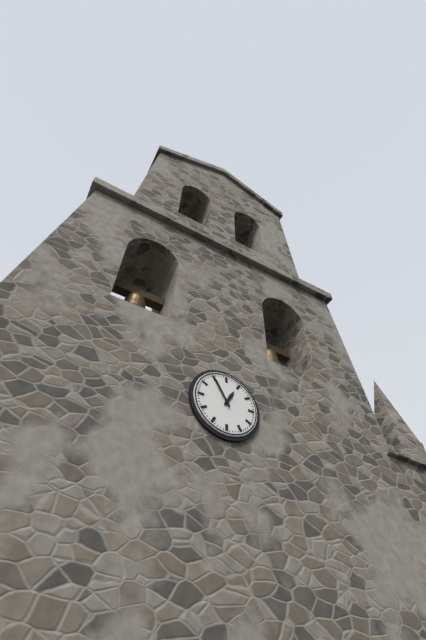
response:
h=12 m=55
